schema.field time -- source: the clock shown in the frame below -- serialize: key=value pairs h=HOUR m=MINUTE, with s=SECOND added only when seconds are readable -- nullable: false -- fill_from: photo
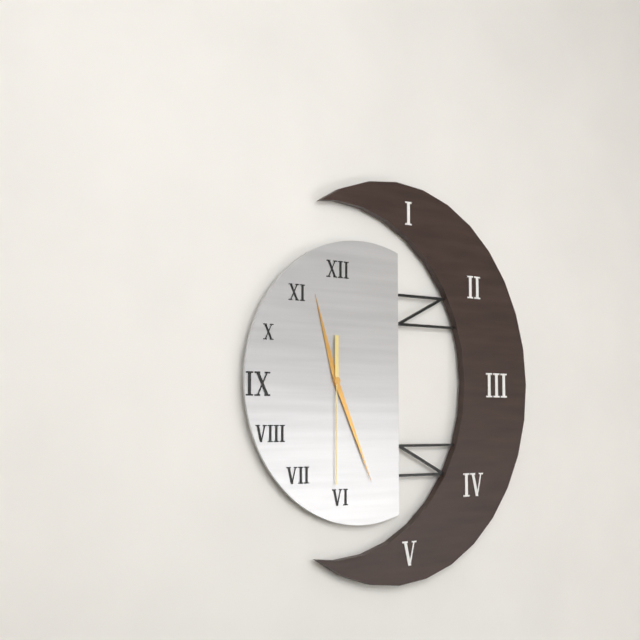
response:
h=11 m=26 s=30
